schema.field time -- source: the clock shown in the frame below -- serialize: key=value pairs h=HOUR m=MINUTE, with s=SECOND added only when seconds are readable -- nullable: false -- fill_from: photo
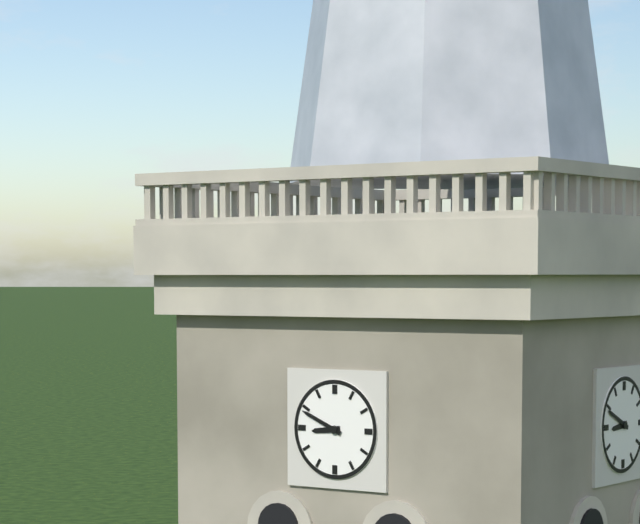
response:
h=8 m=49
